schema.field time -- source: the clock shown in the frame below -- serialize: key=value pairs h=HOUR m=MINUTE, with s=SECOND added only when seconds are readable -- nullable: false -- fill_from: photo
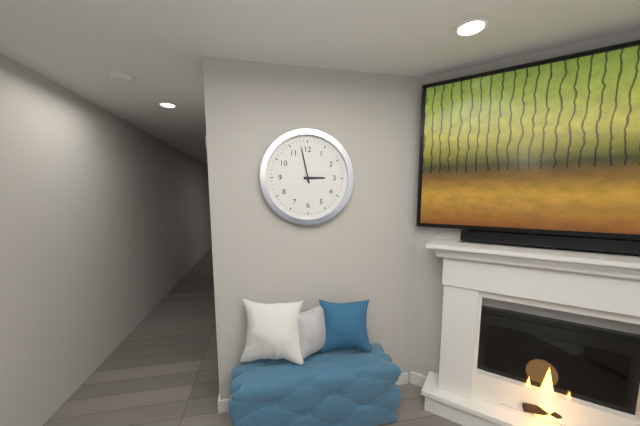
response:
h=2 m=58
